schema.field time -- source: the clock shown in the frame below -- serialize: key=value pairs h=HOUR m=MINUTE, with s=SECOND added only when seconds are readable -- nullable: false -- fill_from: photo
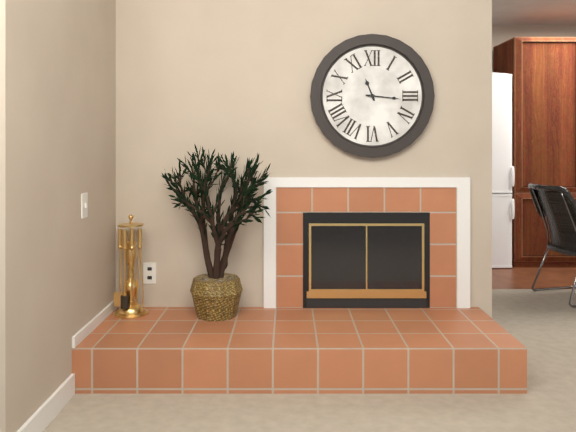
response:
h=11 m=16
